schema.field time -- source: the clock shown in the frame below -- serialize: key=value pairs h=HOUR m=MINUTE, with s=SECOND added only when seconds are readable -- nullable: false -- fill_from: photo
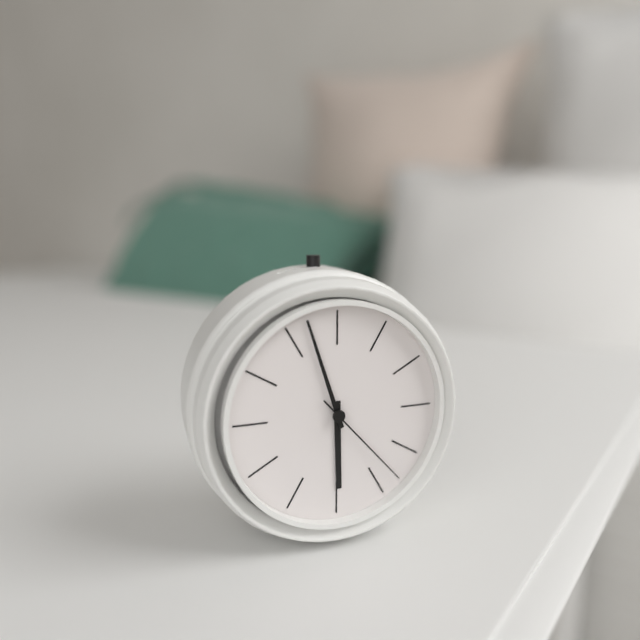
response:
h=5 m=57 s=23
